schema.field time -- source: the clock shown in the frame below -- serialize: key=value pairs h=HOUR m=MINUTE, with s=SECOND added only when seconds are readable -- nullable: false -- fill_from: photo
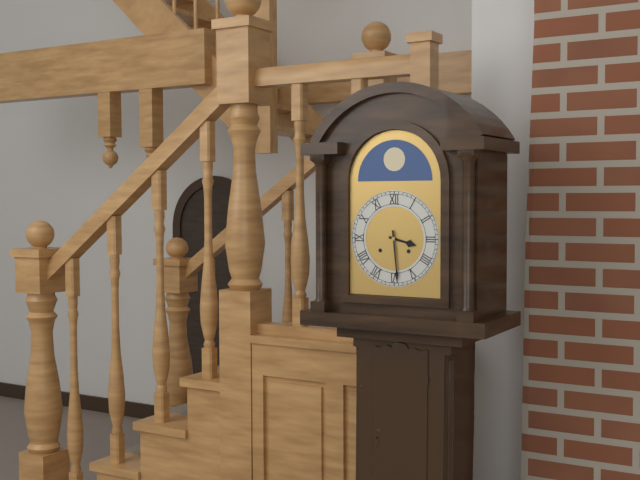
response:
h=3 m=29
